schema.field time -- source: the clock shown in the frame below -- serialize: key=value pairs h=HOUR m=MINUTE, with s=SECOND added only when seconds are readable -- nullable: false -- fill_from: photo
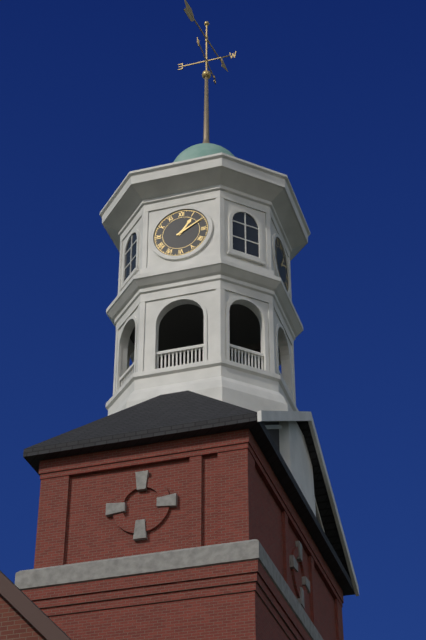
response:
h=1 m=10
